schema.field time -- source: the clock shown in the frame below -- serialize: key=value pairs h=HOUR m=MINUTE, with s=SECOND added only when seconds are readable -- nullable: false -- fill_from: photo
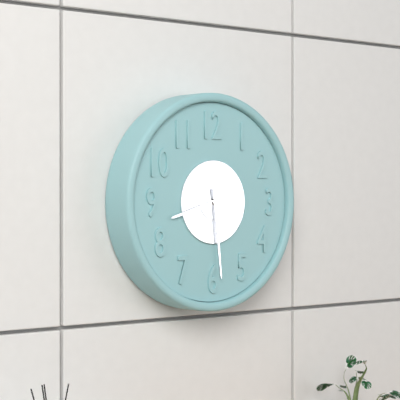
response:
h=8 m=29
